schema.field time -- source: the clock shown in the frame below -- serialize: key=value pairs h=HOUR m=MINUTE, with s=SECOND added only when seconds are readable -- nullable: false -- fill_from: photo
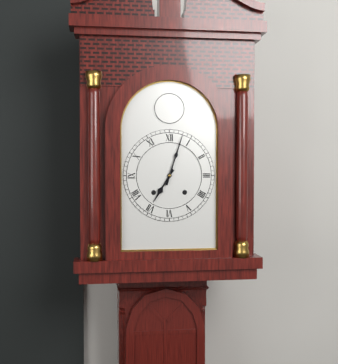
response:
h=7 m=3
